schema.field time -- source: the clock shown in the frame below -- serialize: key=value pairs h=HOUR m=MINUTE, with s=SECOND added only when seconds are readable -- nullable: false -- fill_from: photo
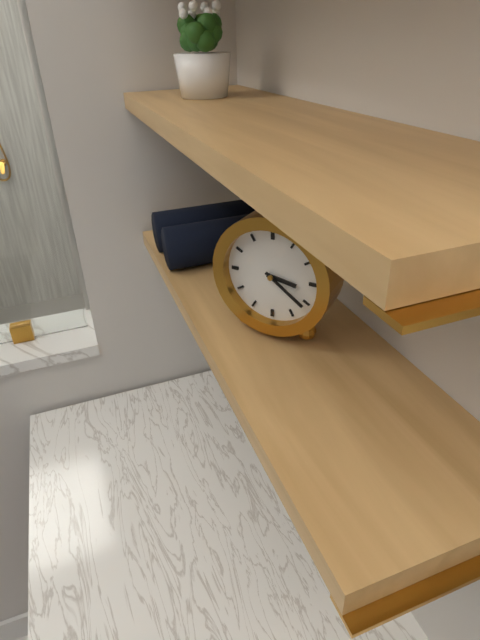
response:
h=3 m=21
